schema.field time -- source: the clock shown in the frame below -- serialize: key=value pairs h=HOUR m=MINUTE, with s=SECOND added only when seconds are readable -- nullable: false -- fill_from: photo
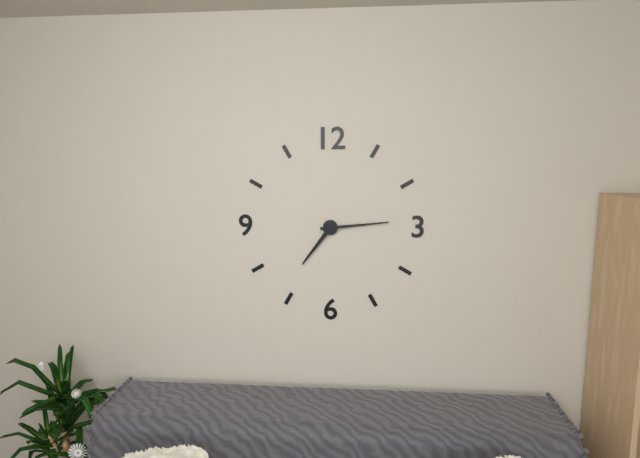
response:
h=7 m=14
